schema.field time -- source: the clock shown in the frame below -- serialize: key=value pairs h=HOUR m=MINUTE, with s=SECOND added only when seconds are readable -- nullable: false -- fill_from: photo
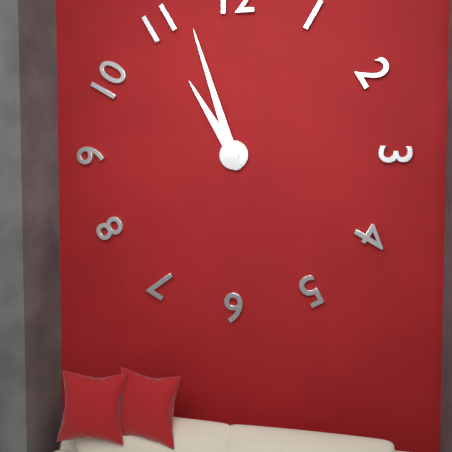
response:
h=10 m=57
